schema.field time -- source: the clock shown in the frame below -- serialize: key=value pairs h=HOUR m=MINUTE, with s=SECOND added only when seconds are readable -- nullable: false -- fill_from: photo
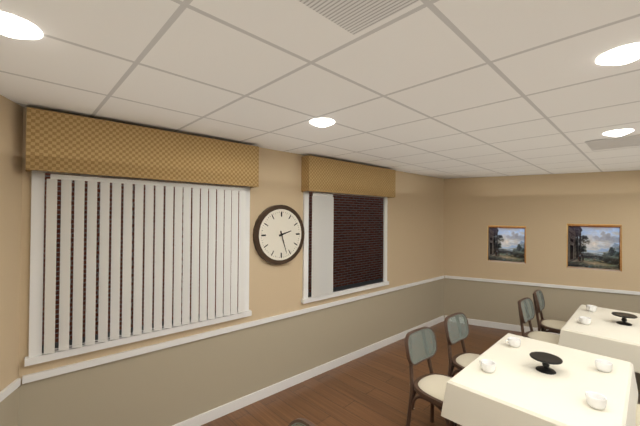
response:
h=2 m=27
